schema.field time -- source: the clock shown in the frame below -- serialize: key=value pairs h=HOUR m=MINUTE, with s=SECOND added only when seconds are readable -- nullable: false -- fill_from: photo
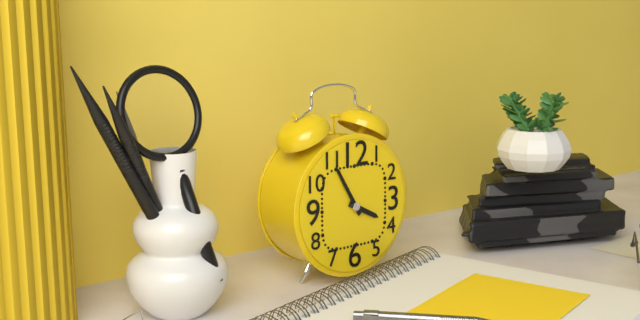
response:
h=3 m=55
